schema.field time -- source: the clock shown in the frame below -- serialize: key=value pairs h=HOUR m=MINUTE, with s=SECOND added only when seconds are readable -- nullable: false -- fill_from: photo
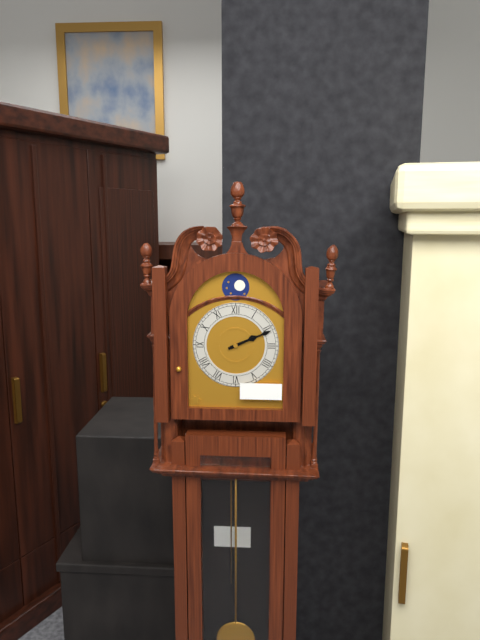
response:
h=2 m=11
